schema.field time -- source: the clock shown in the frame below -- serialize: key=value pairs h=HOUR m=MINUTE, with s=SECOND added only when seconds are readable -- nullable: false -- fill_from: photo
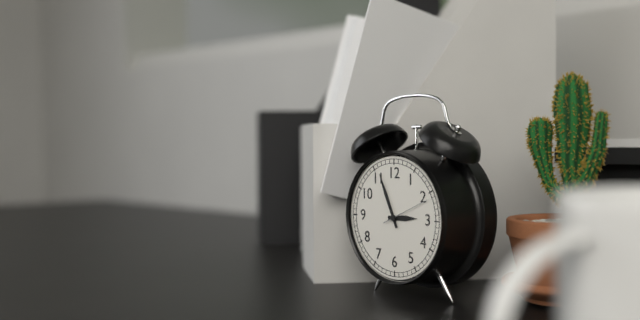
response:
h=2 m=56
